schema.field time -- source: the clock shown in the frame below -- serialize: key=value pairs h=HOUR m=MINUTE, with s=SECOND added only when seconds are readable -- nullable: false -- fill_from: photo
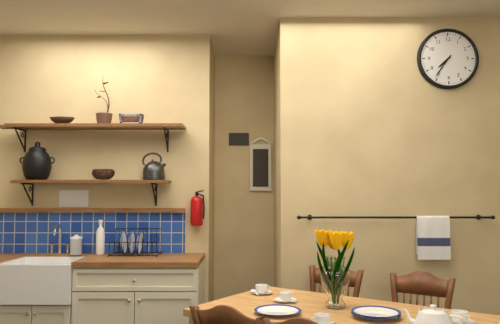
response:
h=7 m=36
